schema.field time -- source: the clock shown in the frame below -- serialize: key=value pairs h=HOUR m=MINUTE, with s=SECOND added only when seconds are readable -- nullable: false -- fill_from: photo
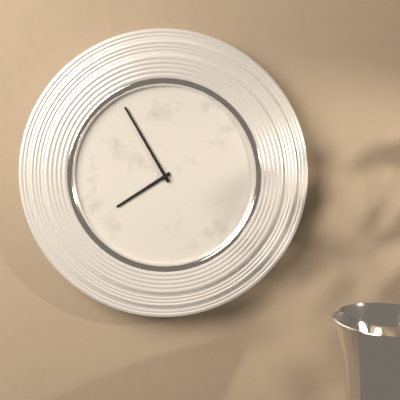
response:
h=7 m=55
